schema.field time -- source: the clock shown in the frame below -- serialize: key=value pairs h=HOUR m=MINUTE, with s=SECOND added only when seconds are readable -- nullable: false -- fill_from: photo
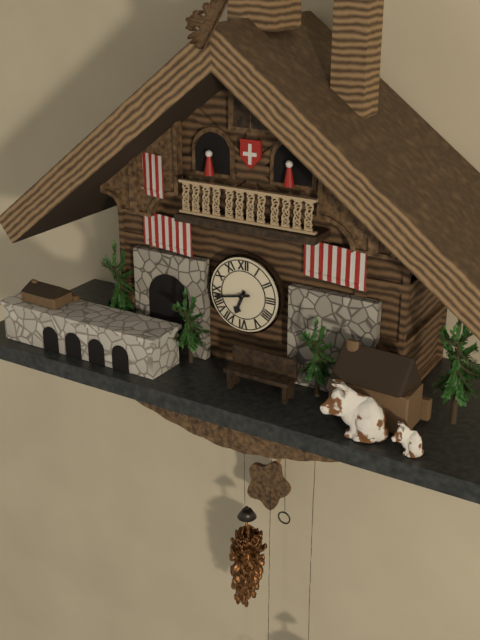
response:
h=6 m=43
